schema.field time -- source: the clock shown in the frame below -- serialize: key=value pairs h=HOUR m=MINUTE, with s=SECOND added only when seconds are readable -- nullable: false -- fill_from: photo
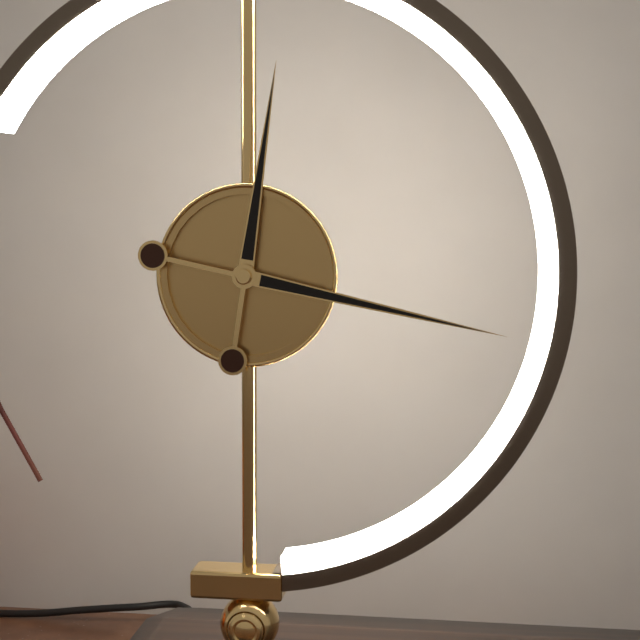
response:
h=12 m=17
